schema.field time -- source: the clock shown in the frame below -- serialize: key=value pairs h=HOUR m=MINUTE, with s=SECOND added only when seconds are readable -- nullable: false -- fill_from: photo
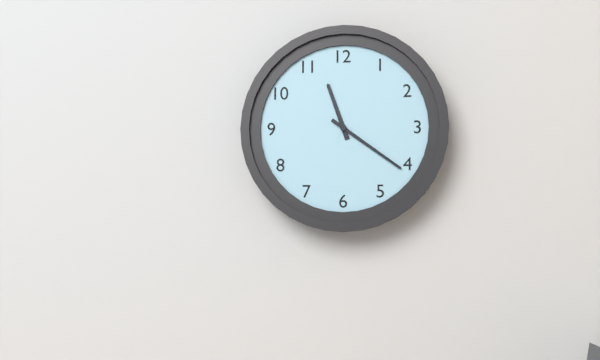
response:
h=11 m=21
